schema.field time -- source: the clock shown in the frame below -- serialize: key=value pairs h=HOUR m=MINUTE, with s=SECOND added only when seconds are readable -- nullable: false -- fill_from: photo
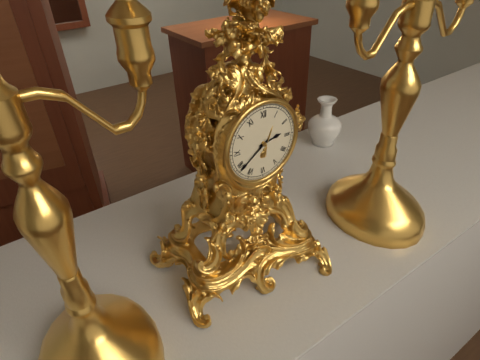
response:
h=2 m=39
